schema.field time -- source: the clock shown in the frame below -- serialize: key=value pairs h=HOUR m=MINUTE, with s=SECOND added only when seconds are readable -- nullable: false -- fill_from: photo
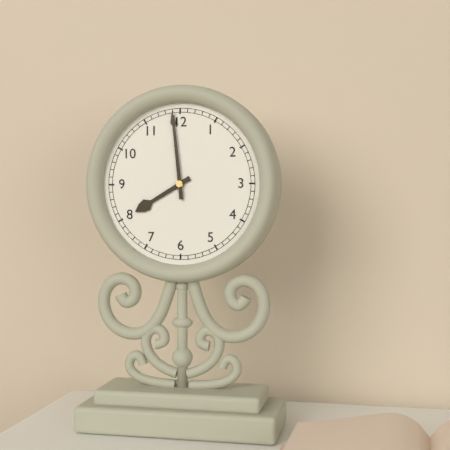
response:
h=7 m=59
